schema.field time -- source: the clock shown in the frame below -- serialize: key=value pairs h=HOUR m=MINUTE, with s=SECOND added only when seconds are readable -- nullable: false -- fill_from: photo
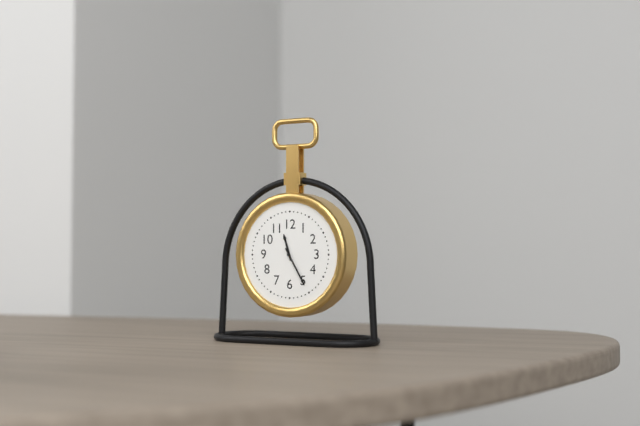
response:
h=11 m=25
